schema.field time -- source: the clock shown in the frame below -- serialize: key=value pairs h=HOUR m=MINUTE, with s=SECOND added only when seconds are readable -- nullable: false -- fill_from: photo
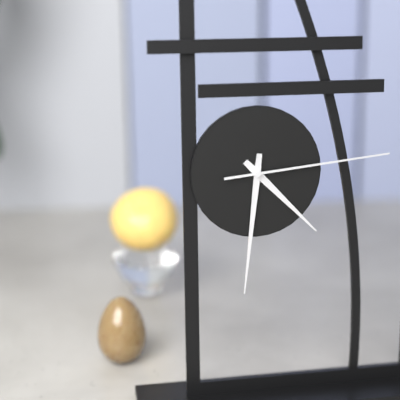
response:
h=4 m=31 s=14
